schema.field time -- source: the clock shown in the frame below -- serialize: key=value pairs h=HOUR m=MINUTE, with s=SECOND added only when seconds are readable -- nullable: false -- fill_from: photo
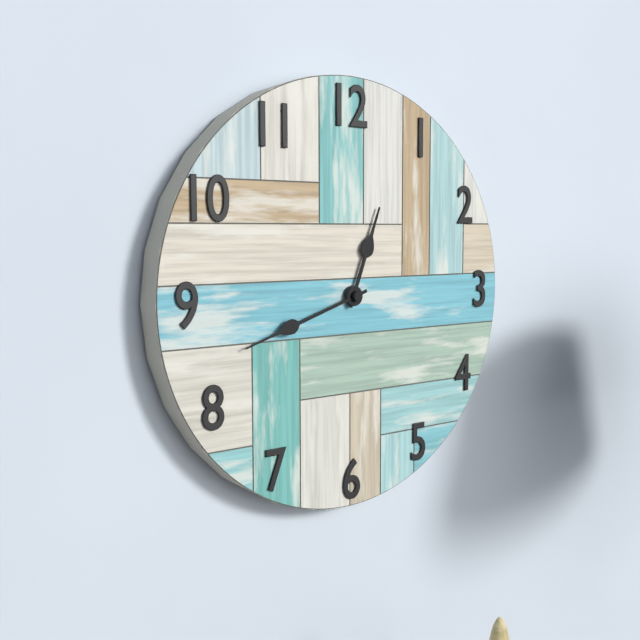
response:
h=12 m=42
